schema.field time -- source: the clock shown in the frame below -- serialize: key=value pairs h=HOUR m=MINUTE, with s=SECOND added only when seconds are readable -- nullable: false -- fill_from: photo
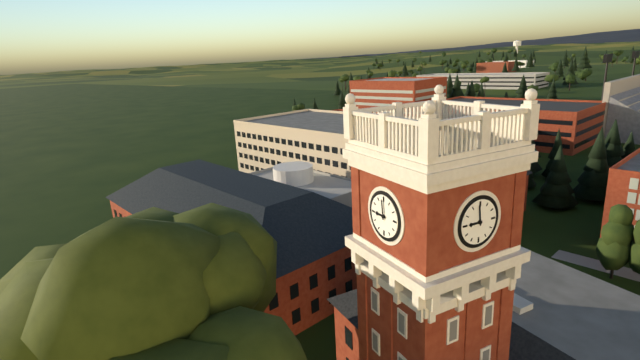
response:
h=8 m=59
